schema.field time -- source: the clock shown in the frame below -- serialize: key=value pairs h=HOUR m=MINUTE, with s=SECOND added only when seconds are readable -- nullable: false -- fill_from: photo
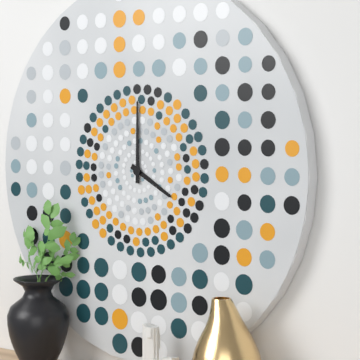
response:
h=4 m=0
